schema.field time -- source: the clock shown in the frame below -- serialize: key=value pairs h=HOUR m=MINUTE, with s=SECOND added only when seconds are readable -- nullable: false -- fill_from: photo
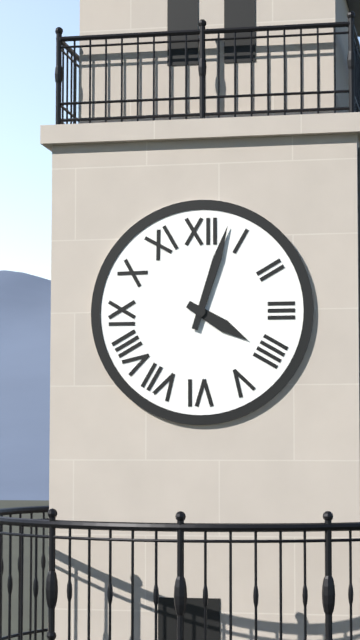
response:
h=4 m=3
